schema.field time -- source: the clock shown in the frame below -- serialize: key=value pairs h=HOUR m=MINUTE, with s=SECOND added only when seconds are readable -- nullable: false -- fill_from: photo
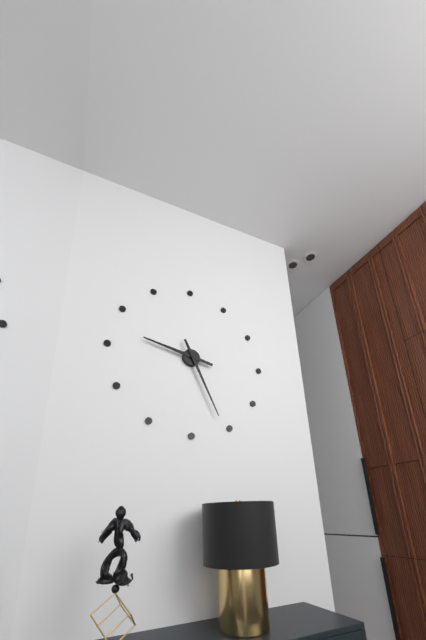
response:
h=9 m=26
